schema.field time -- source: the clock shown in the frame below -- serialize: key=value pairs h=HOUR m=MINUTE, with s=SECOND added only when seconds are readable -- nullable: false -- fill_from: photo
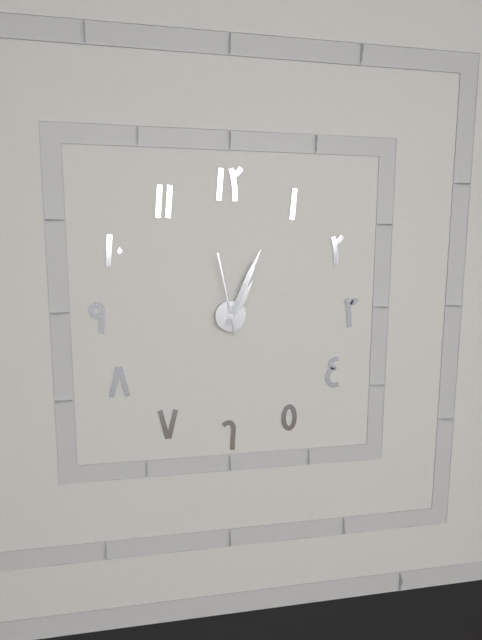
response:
h=1 m=4 s=58
